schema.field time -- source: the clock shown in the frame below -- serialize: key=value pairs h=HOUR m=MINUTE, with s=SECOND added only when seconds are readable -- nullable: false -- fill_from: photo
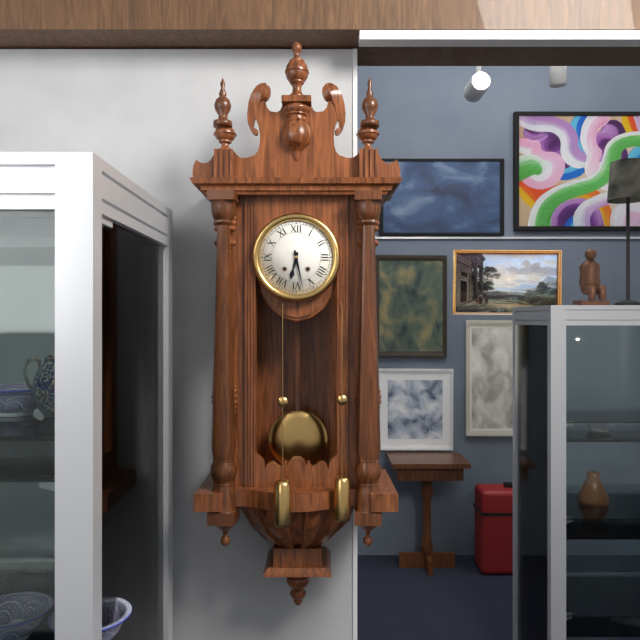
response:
h=6 m=28
